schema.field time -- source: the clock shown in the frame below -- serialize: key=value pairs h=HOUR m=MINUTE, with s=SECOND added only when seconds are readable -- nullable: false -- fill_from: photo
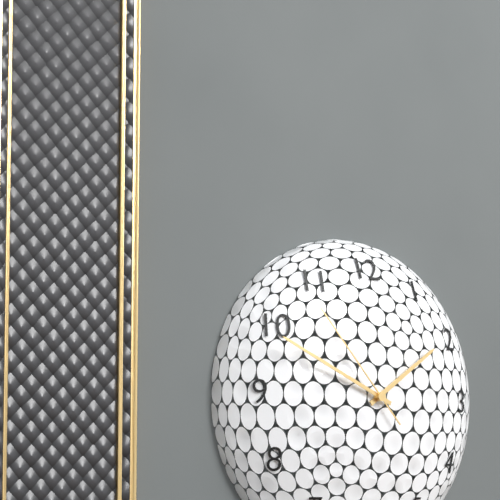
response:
h=1 m=49 s=53
